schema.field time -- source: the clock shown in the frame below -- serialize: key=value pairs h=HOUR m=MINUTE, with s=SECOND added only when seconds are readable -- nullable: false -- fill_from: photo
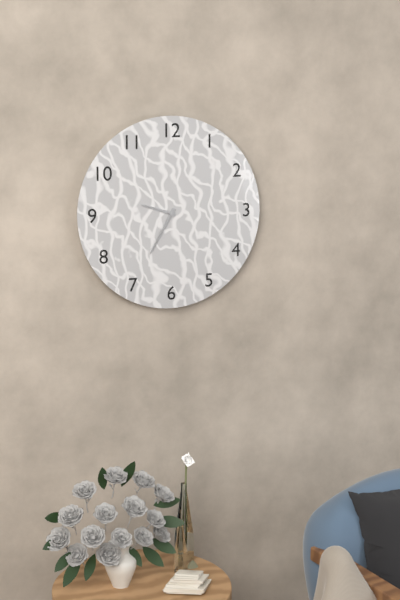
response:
h=9 m=35
